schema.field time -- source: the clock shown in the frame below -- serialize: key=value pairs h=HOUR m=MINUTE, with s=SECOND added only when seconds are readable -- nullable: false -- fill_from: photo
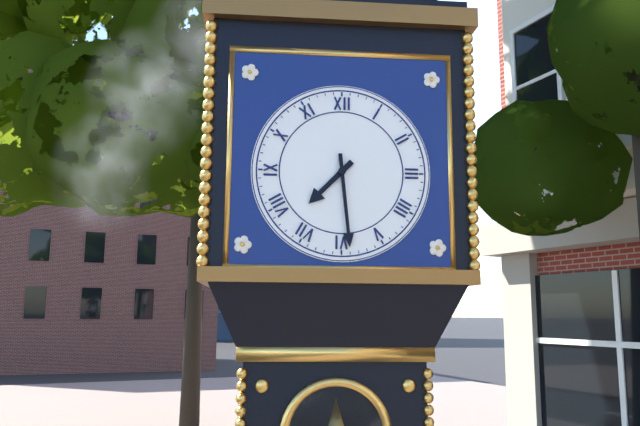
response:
h=7 m=29
